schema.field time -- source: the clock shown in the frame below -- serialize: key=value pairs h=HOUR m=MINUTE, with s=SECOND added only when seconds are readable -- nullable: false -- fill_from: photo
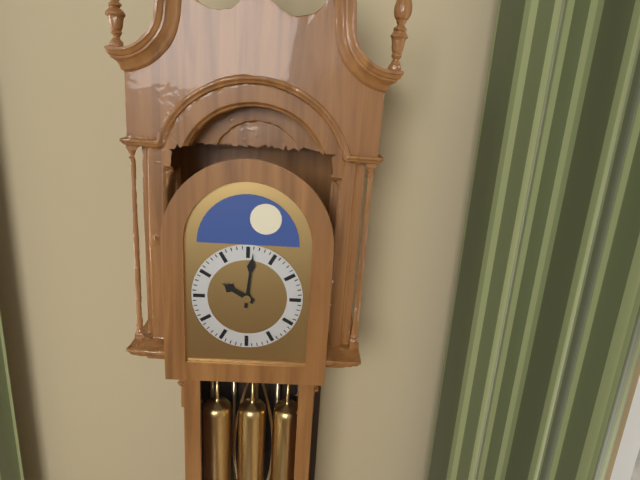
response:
h=10 m=1
